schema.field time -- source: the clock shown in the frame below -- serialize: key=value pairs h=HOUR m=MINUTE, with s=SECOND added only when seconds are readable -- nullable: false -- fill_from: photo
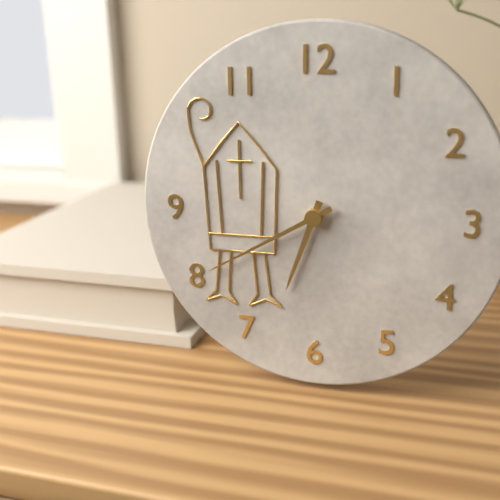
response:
h=6 m=40
